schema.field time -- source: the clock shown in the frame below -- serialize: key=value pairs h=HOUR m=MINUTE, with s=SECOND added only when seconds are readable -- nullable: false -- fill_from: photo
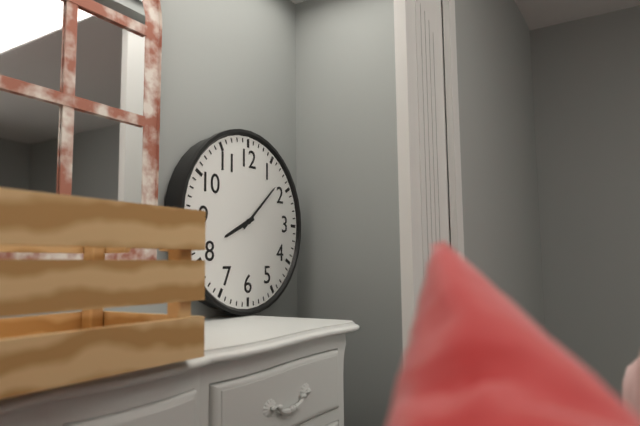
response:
h=8 m=8
